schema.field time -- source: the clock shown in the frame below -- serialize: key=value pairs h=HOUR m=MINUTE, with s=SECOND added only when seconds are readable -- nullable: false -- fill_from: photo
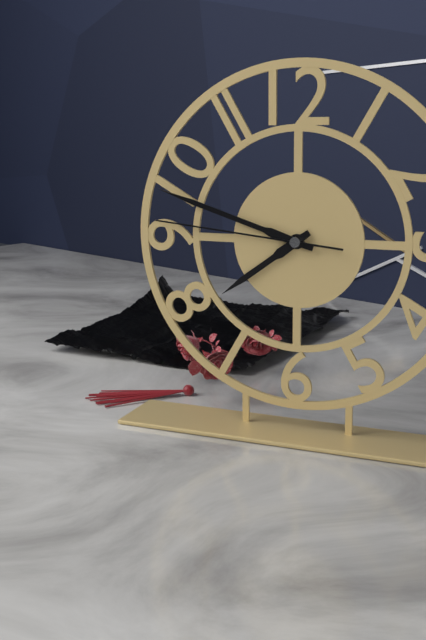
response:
h=7 m=48 s=46
